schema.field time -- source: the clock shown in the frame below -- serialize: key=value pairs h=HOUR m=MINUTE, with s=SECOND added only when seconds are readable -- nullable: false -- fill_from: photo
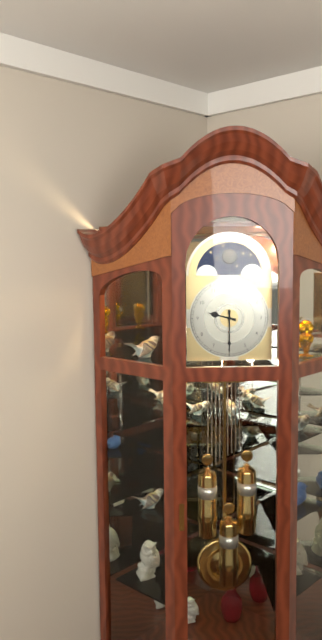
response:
h=9 m=30
